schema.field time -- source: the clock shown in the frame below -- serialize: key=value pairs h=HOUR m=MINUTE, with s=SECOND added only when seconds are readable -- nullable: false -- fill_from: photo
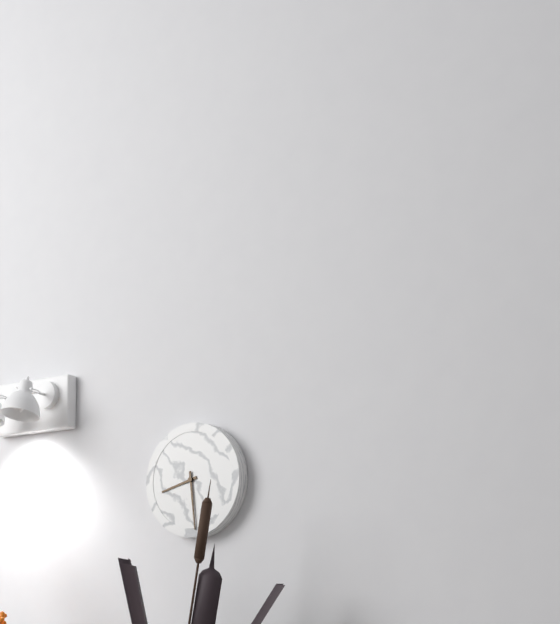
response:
h=8 m=29
